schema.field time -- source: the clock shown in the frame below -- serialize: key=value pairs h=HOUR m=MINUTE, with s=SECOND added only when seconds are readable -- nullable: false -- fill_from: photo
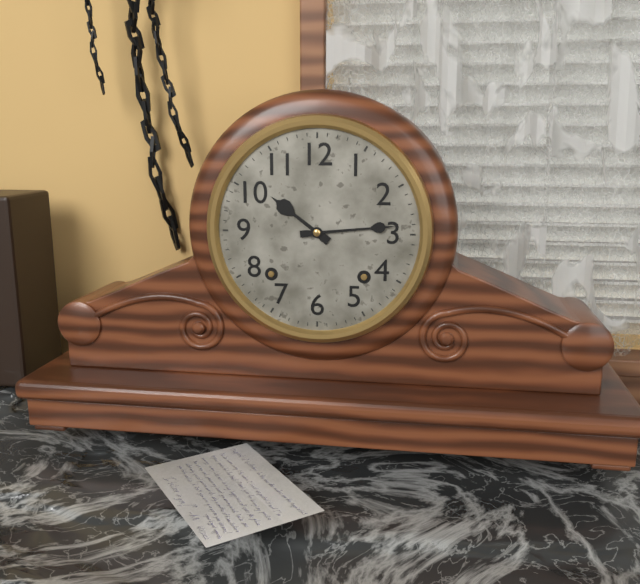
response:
h=10 m=14
